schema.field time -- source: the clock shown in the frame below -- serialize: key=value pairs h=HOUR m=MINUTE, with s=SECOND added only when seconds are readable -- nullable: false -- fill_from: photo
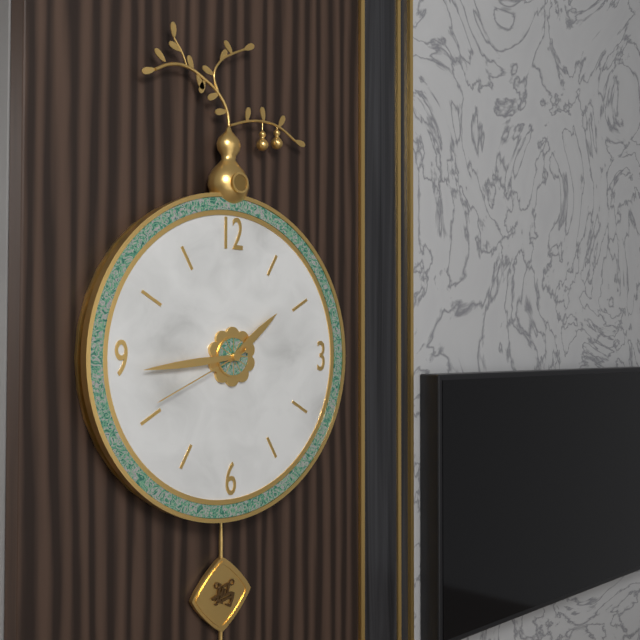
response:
h=1 m=44 s=41
